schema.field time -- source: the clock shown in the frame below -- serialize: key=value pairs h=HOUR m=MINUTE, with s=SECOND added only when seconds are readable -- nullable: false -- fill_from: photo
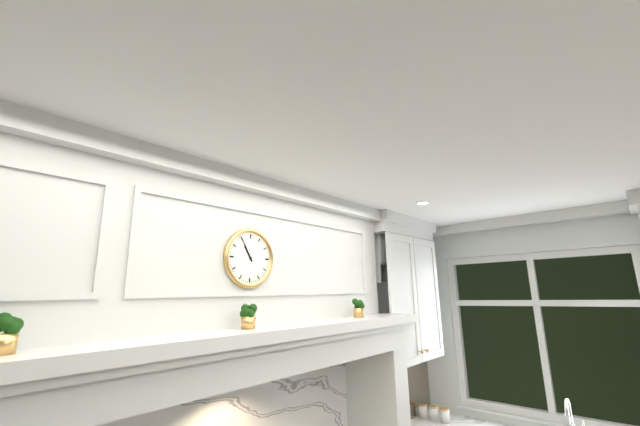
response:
h=10 m=55
